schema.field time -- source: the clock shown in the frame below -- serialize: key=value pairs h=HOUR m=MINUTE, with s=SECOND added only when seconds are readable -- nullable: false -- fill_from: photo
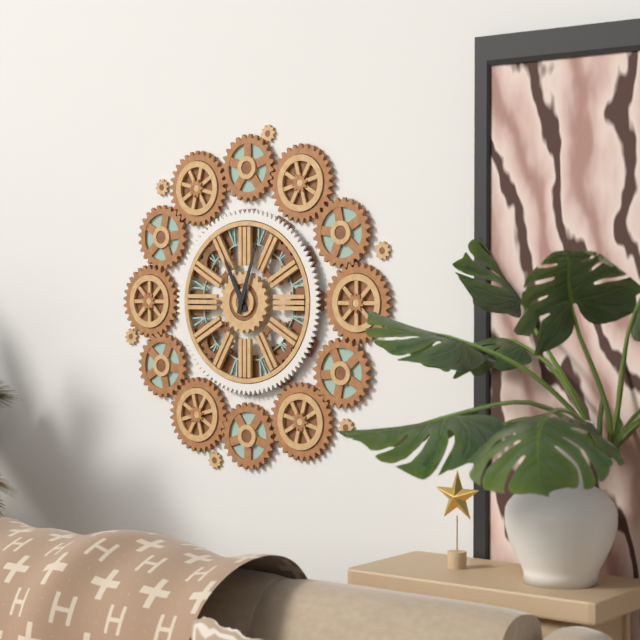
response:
h=11 m=3
